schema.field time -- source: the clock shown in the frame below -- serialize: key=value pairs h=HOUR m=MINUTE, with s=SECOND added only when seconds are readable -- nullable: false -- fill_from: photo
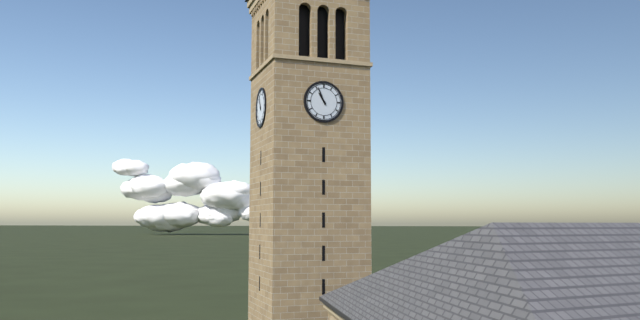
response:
h=10 m=56
